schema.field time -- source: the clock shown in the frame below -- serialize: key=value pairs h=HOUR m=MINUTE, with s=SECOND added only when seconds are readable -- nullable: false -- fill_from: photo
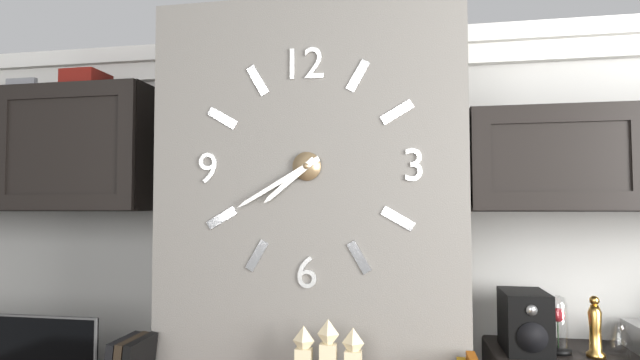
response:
h=7 m=40
